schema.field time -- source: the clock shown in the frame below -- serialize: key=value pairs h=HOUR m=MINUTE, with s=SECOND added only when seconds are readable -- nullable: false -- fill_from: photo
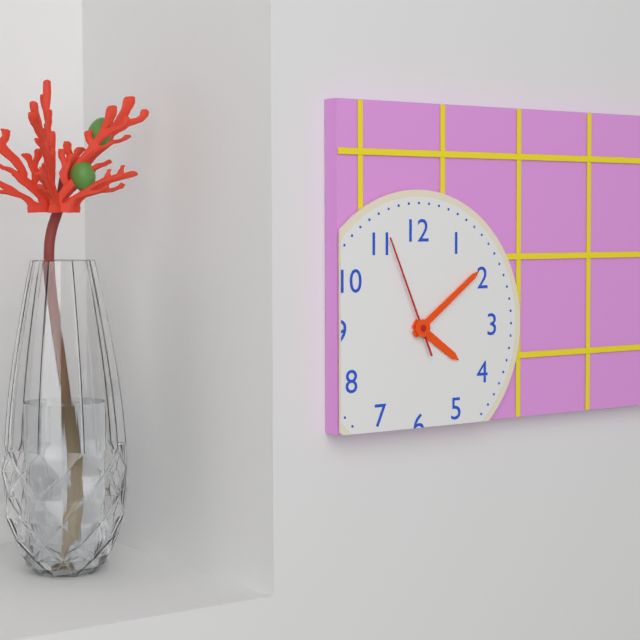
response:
h=4 m=9 s=56
